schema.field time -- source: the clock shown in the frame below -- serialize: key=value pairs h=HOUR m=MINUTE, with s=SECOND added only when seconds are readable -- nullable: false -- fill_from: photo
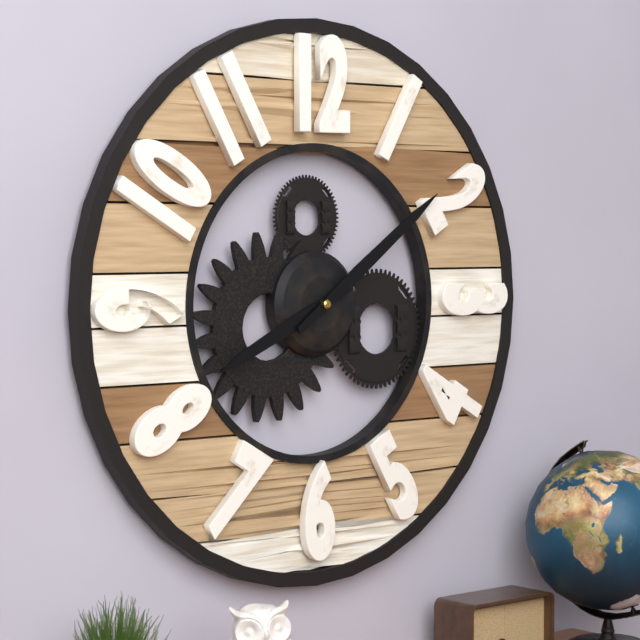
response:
h=8 m=9
